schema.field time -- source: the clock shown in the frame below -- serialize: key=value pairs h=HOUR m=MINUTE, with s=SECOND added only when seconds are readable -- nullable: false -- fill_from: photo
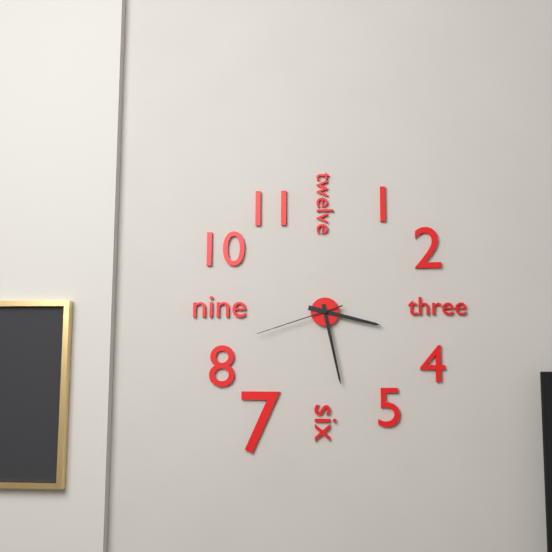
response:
h=3 m=28 s=42
